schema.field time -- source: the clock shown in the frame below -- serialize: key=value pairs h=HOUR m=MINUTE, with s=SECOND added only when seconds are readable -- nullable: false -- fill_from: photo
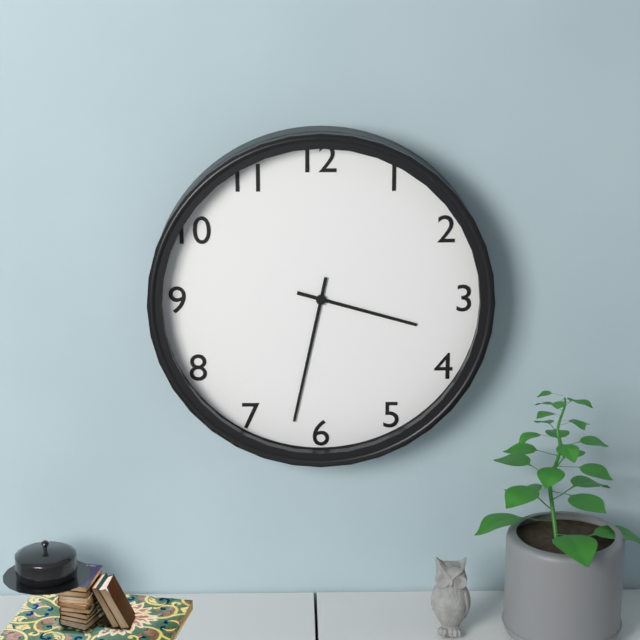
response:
h=3 m=32
